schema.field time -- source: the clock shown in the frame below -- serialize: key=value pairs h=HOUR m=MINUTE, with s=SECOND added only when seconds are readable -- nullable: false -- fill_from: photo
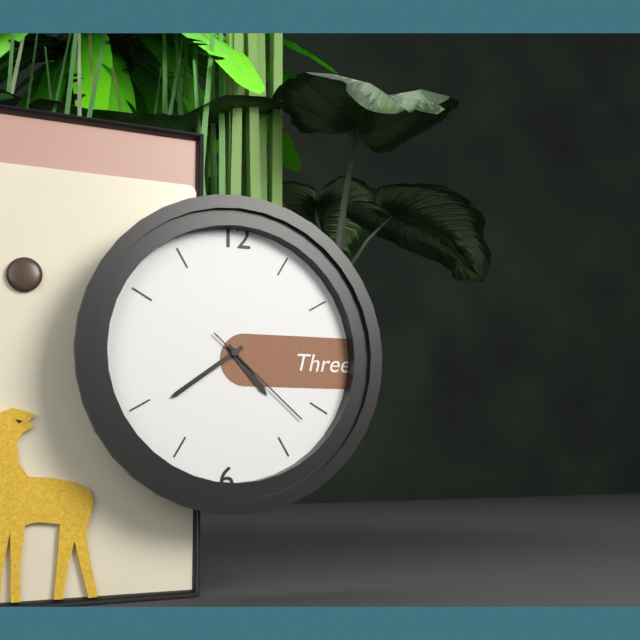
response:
h=4 m=39 s=22
